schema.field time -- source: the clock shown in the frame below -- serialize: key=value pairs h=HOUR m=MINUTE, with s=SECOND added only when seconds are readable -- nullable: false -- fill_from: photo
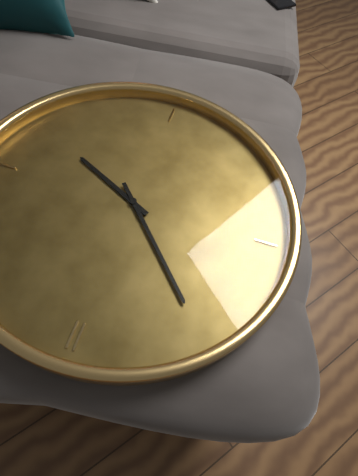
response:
h=3 m=53
